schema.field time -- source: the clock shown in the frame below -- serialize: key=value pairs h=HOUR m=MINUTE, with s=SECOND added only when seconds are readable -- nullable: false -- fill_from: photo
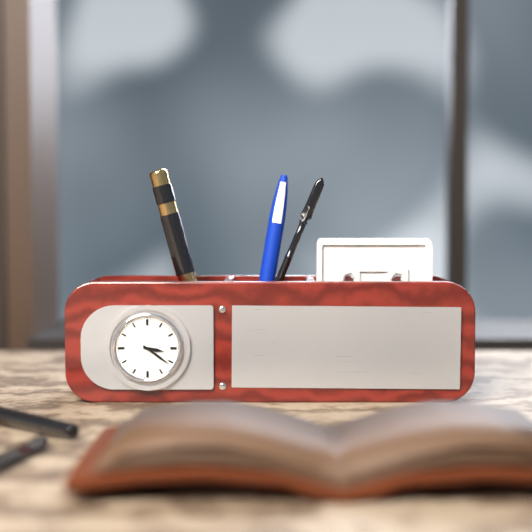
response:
h=3 m=21
